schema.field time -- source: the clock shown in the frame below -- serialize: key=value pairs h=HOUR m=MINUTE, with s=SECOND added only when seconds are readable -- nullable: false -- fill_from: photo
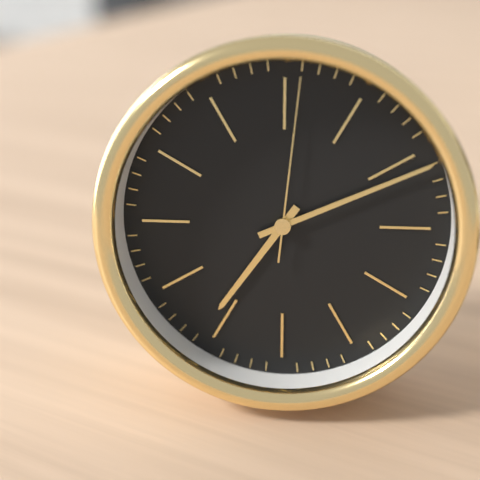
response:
h=7 m=11 s=1
